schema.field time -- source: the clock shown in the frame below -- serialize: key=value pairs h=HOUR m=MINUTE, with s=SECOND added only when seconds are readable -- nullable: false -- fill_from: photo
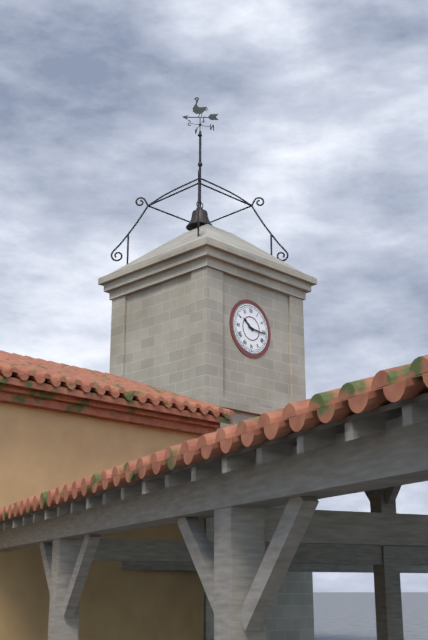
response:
h=10 m=16
